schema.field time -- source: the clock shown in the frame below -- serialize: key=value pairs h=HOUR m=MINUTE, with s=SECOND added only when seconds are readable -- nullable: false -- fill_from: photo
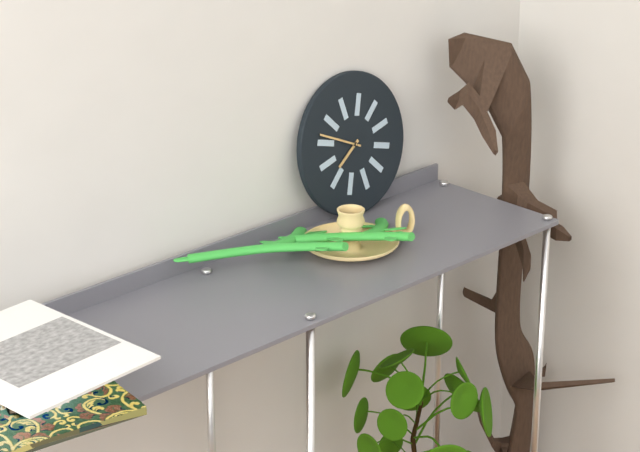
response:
h=7 m=49
